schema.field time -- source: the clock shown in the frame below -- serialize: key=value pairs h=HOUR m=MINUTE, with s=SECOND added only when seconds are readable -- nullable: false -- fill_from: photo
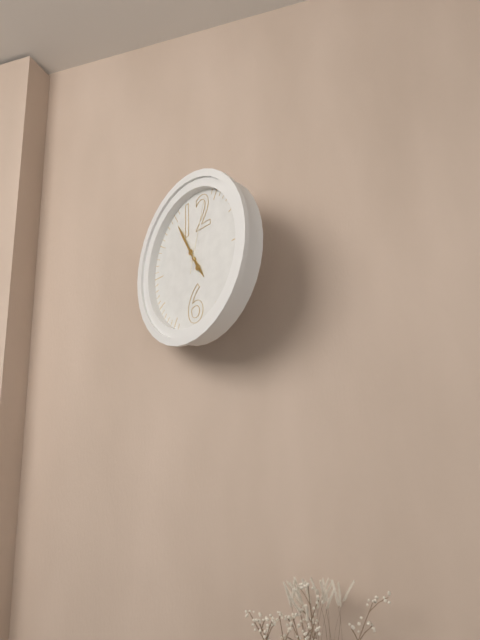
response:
h=4 m=55 s=3
